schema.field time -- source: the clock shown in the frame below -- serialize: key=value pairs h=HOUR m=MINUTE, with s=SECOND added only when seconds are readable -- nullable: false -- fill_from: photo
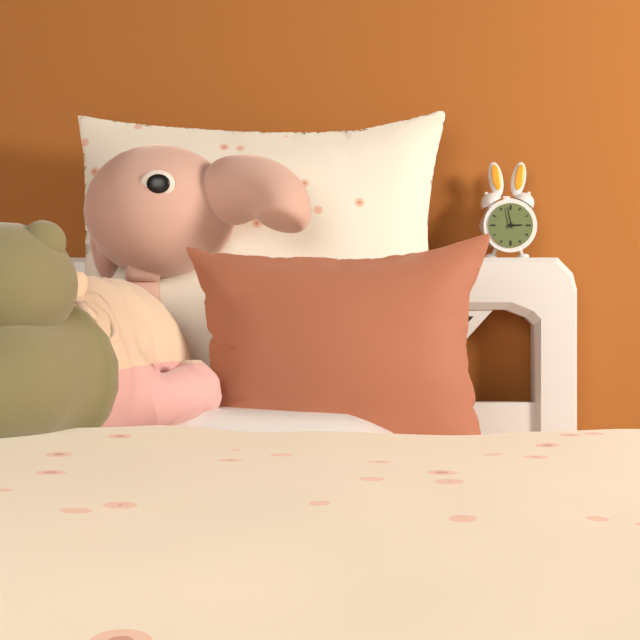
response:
h=2 m=58
